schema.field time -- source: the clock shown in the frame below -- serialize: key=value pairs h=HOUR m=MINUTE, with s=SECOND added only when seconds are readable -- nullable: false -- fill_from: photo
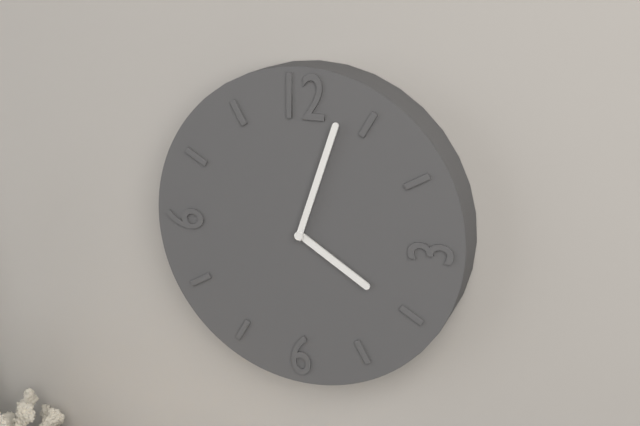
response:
h=4 m=3
